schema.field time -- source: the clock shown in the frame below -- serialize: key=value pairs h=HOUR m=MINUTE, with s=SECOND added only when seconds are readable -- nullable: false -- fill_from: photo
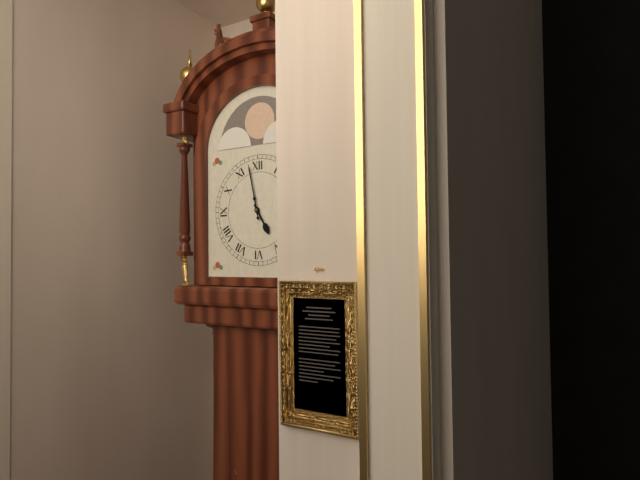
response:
h=4 m=58
